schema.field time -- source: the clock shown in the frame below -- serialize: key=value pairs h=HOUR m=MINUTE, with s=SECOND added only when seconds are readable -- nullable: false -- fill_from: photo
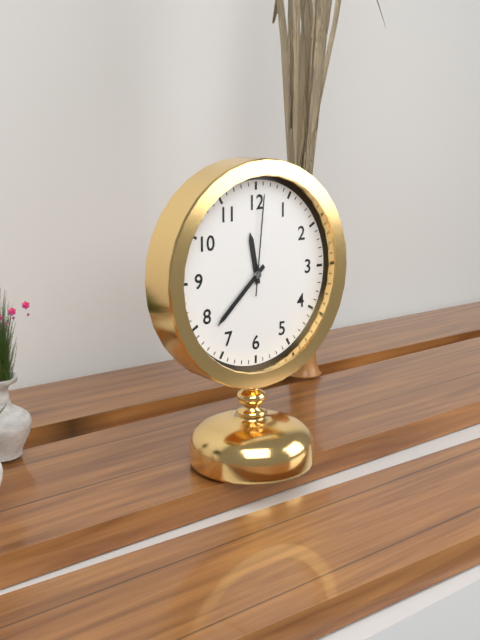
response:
h=11 m=38 s=1
